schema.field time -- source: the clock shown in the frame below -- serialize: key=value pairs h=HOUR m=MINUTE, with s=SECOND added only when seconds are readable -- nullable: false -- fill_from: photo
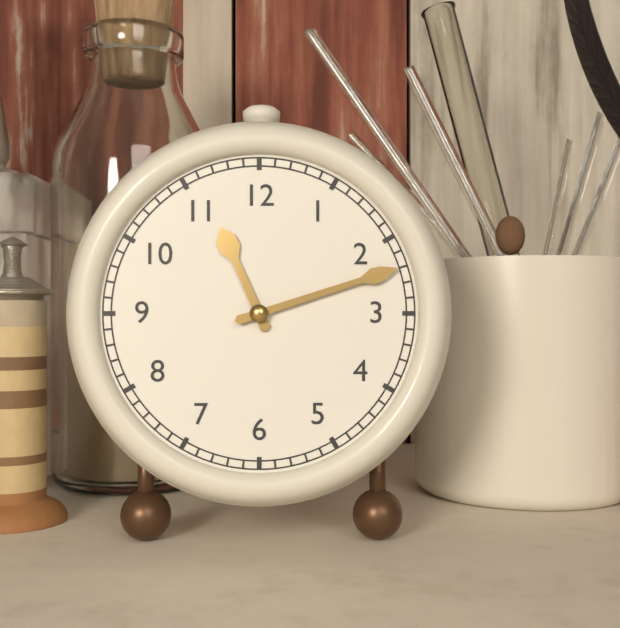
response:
h=11 m=12
